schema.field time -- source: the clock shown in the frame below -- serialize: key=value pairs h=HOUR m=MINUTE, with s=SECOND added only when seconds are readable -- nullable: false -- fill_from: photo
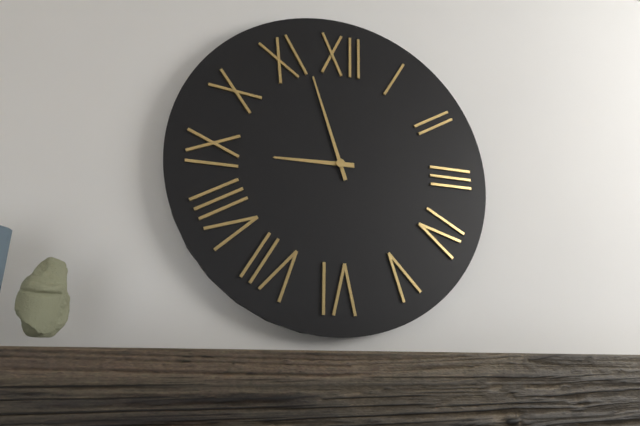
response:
h=8 m=57
